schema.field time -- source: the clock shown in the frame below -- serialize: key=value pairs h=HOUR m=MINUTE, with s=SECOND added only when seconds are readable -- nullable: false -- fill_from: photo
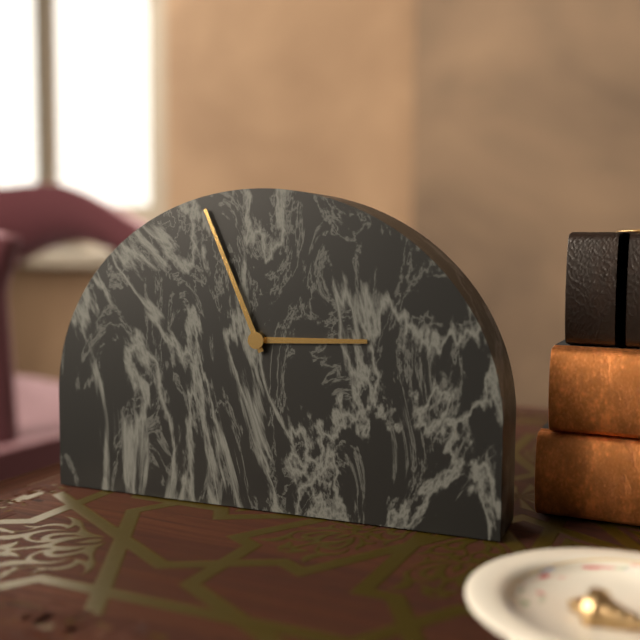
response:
h=2 m=56
